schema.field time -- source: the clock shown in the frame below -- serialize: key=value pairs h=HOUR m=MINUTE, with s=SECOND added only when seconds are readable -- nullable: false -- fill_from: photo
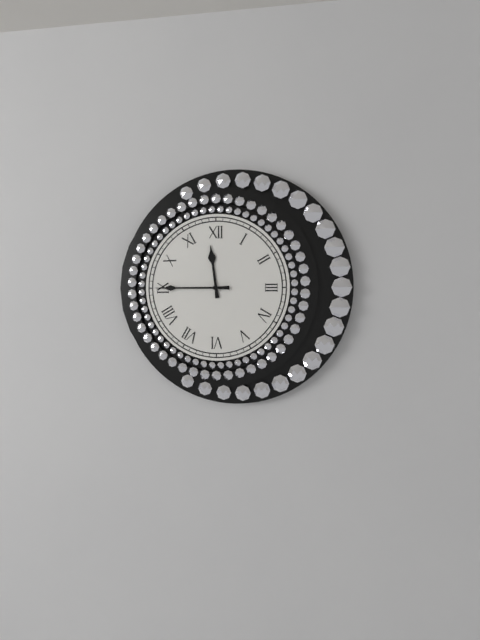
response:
h=11 m=45
